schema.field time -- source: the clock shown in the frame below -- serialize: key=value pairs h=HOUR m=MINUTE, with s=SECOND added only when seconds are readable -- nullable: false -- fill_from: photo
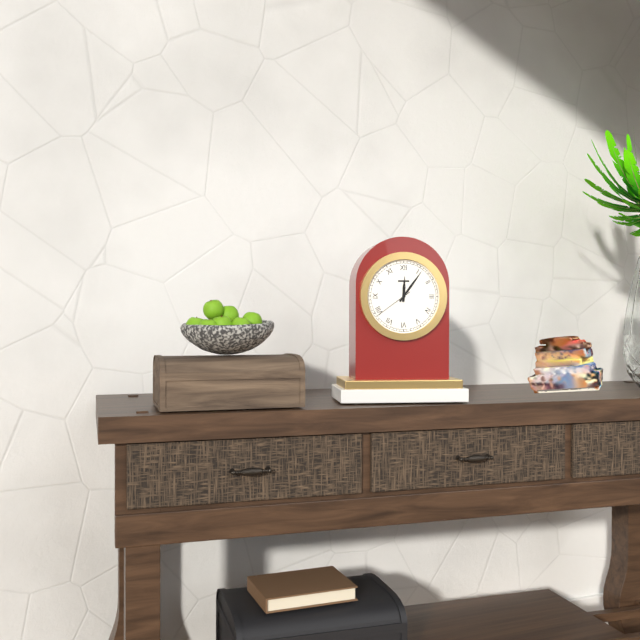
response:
h=12 m=6
